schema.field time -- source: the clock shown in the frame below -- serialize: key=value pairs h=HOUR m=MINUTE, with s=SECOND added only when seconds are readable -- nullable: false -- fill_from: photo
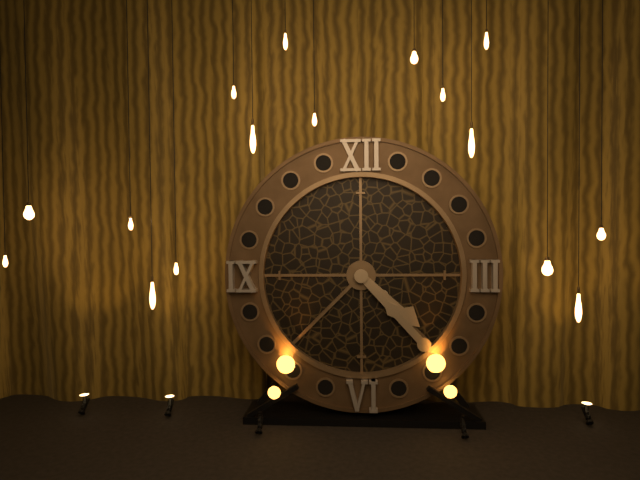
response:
h=4 m=23
